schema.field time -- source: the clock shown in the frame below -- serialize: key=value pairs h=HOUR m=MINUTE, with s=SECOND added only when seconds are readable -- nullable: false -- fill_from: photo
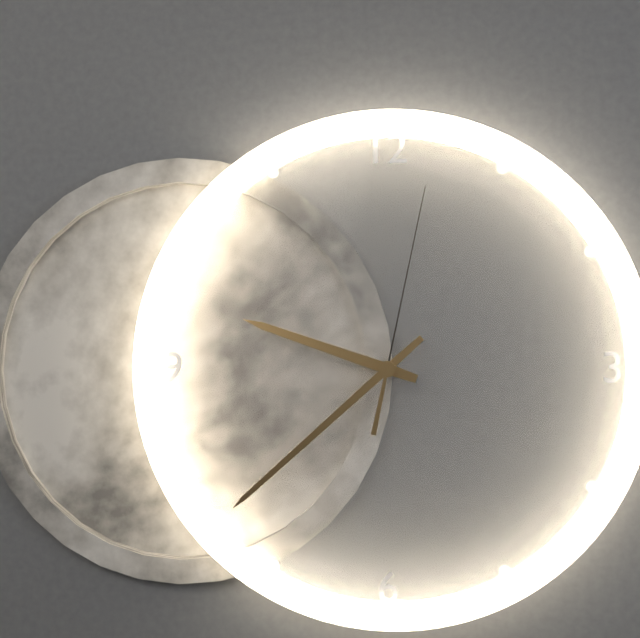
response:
h=9 m=38 s=2
